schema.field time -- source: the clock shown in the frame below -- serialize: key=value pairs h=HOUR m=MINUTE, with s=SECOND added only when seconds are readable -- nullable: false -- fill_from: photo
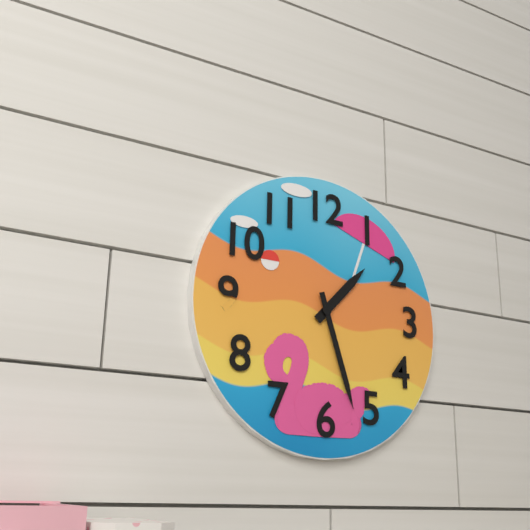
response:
h=1 m=27
